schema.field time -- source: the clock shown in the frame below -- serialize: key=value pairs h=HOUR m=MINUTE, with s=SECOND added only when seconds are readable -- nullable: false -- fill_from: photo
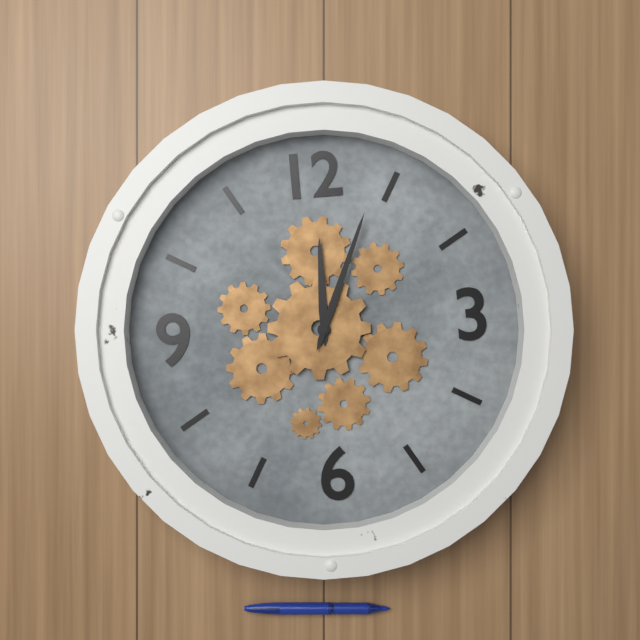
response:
h=12 m=4
